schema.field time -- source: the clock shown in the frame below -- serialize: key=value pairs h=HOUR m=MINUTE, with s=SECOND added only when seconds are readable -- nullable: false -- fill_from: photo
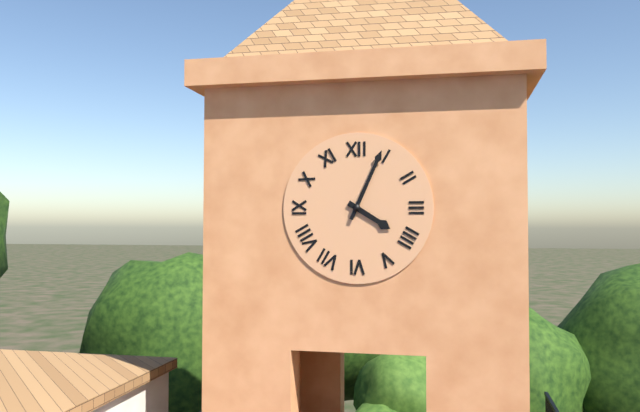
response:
h=4 m=4
